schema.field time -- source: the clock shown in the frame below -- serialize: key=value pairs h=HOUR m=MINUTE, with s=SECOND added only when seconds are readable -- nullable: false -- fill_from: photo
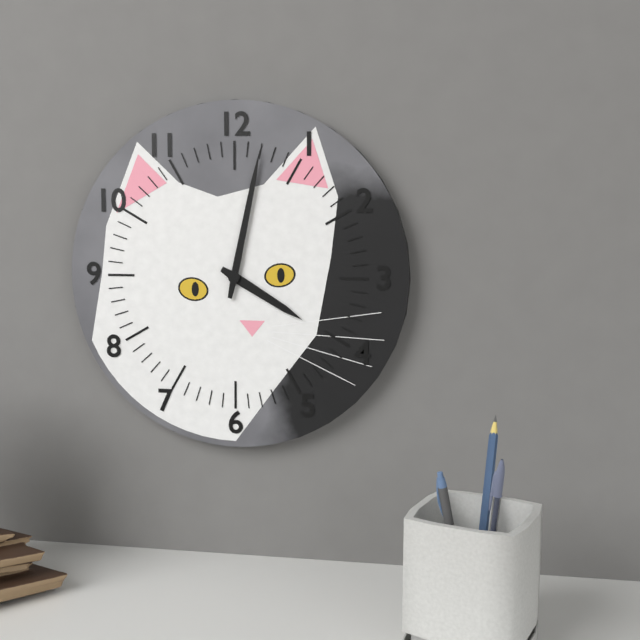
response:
h=4 m=2
